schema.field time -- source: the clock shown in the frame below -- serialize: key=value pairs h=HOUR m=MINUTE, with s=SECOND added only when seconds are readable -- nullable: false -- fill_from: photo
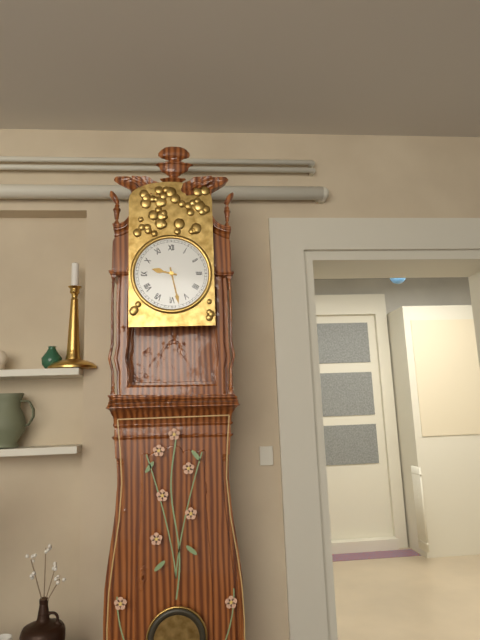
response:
h=9 m=28
